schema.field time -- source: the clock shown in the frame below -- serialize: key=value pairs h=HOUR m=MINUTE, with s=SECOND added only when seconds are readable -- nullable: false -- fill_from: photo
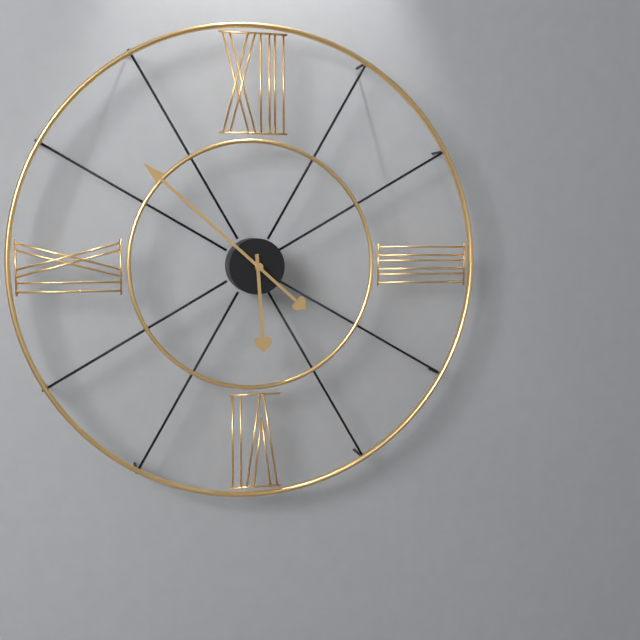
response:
h=5 m=52
